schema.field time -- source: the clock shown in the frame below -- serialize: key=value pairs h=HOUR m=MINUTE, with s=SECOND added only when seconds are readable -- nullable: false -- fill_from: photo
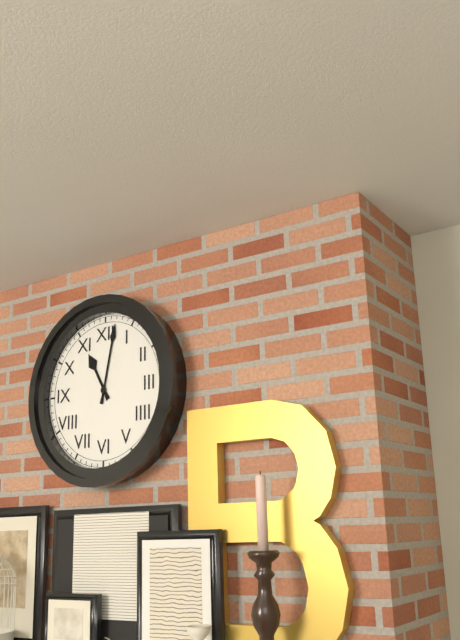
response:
h=11 m=2
